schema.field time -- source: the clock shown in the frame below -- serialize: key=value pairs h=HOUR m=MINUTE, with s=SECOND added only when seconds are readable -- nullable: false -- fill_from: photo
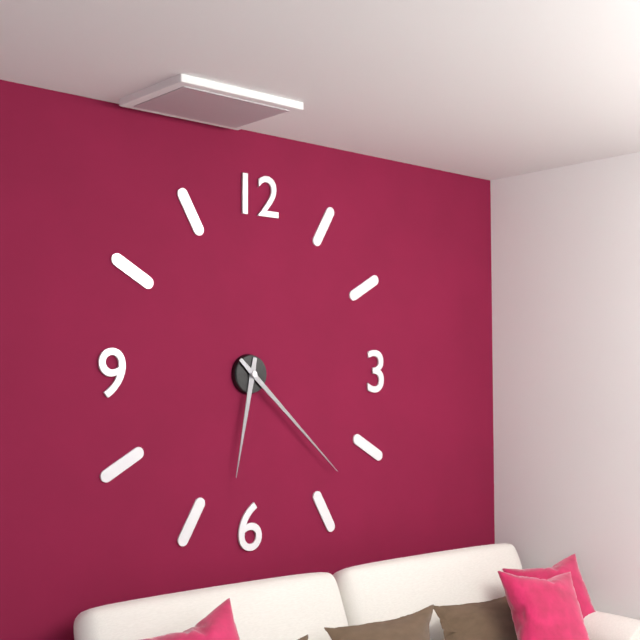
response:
h=6 m=22
